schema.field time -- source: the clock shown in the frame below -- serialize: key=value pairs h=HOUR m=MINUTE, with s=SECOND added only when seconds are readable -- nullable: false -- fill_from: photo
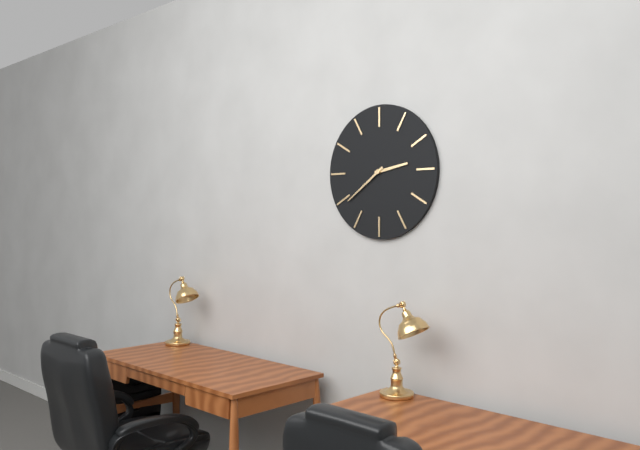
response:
h=2 m=39
